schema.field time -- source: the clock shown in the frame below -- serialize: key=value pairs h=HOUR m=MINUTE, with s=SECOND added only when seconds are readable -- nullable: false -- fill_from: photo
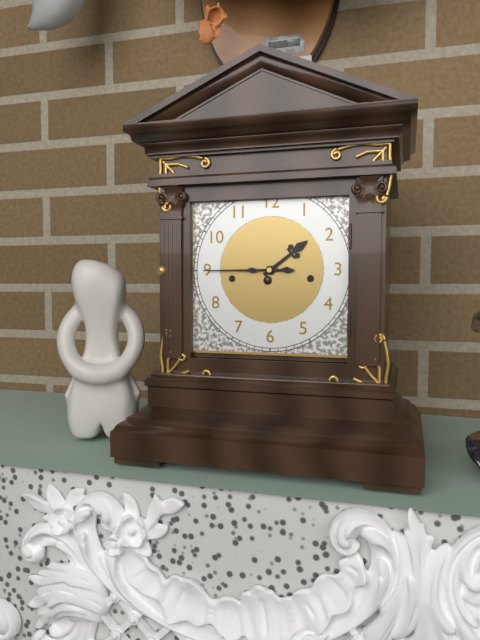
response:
h=1 m=45
